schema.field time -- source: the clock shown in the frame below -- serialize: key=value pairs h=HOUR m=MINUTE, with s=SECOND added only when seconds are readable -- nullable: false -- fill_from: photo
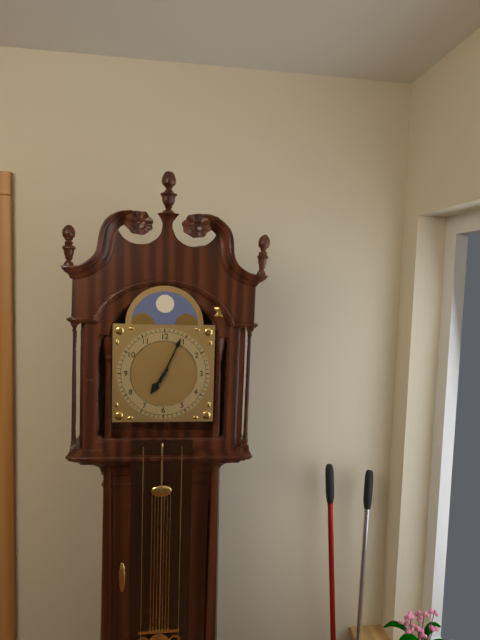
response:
h=7 m=4
